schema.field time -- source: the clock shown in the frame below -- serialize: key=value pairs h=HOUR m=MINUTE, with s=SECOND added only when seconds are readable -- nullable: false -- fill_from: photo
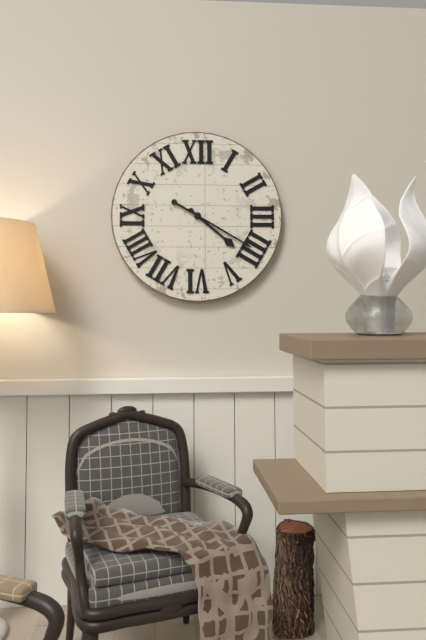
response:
h=4 m=20
